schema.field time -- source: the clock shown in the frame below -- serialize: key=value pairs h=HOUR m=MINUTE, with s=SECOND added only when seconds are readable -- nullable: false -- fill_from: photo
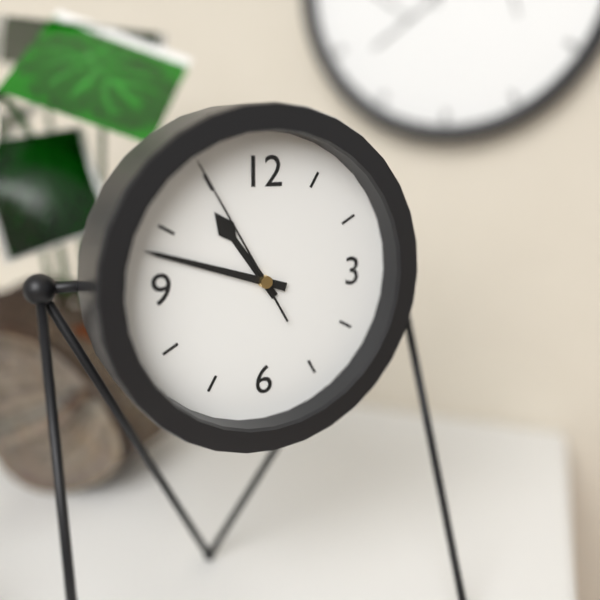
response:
h=10 m=48 s=55
